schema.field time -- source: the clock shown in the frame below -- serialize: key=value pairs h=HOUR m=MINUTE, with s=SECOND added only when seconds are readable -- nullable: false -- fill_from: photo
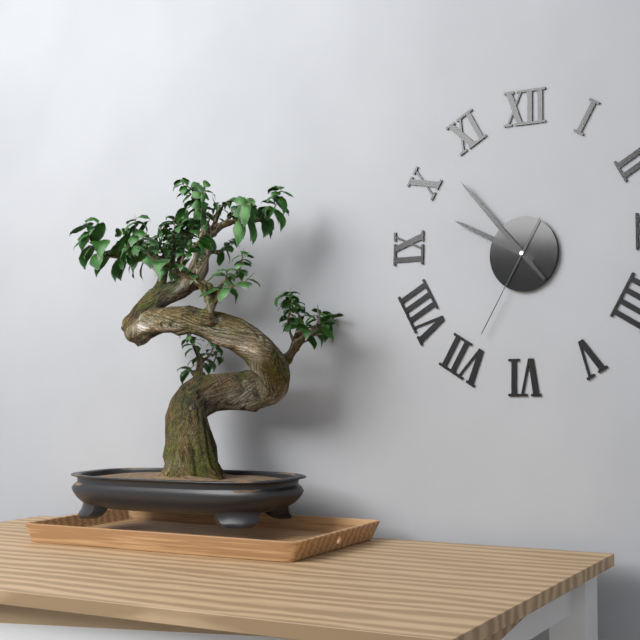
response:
h=9 m=53 s=35
